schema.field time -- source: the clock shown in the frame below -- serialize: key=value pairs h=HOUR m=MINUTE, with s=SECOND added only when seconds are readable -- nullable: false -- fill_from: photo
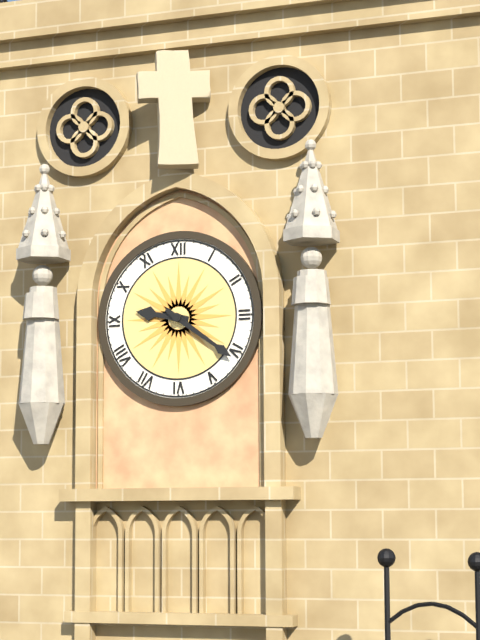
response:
h=9 m=21
